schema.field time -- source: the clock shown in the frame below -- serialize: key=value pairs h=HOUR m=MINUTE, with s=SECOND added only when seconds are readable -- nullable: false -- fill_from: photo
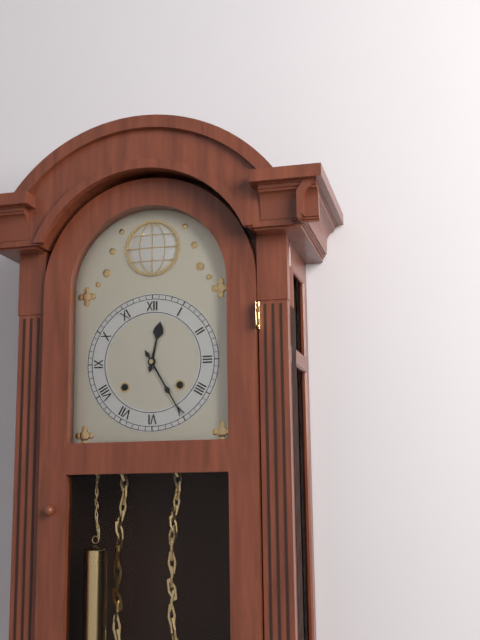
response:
h=12 m=25
